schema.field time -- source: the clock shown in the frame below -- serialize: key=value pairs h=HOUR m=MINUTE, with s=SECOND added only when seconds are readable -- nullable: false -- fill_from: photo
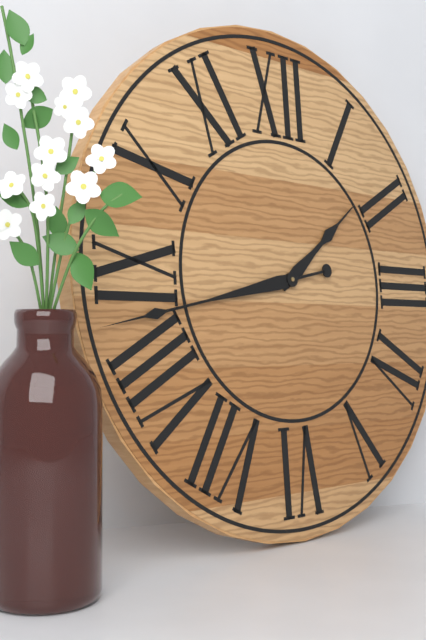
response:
h=1 m=43
